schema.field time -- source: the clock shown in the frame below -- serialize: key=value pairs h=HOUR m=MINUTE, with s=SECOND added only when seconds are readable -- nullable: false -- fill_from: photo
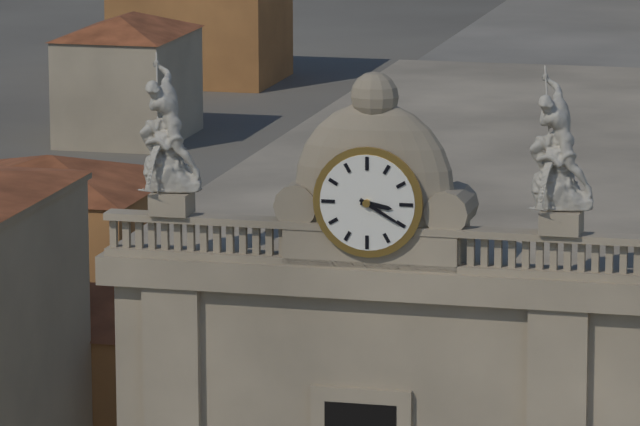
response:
h=3 m=20
